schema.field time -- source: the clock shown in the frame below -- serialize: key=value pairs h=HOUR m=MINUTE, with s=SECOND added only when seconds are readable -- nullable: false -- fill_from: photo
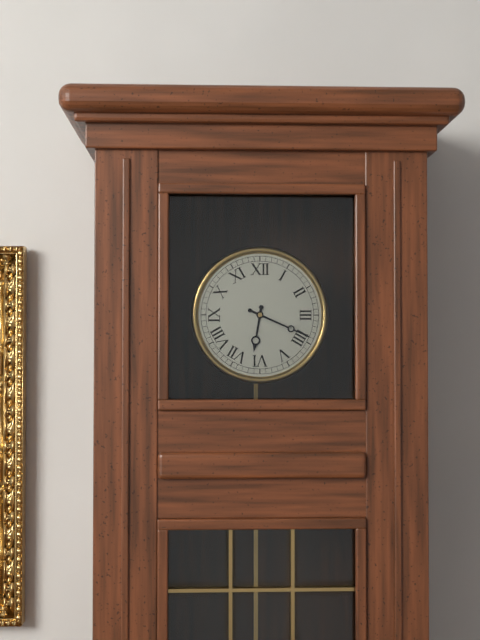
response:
h=6 m=19
